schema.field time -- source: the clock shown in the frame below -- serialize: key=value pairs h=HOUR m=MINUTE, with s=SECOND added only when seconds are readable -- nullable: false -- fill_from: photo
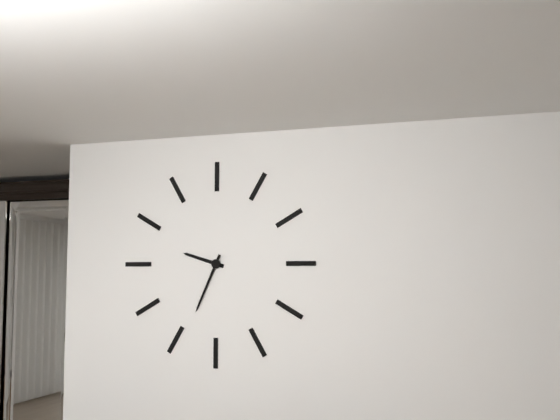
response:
h=9 m=34
